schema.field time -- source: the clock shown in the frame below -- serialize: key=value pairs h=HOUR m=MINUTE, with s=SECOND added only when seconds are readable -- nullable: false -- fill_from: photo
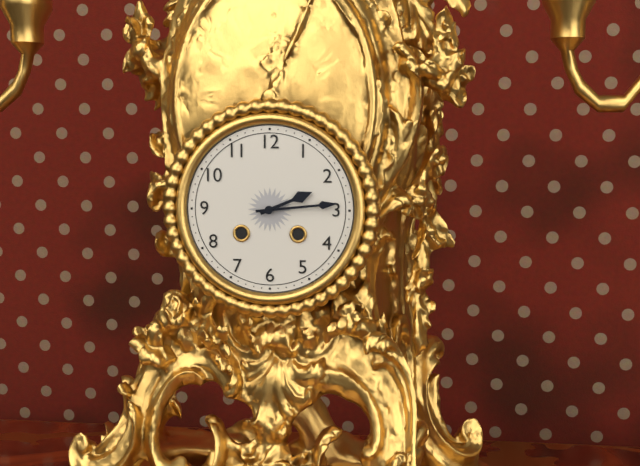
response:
h=2 m=14
